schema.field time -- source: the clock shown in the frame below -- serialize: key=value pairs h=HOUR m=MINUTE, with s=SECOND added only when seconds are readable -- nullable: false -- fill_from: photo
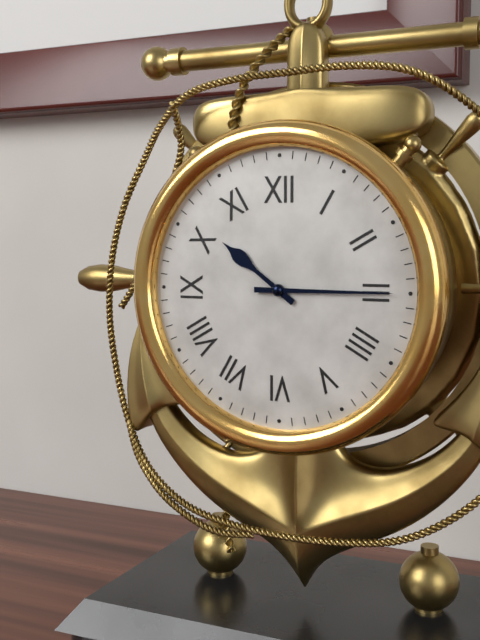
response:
h=10 m=15
